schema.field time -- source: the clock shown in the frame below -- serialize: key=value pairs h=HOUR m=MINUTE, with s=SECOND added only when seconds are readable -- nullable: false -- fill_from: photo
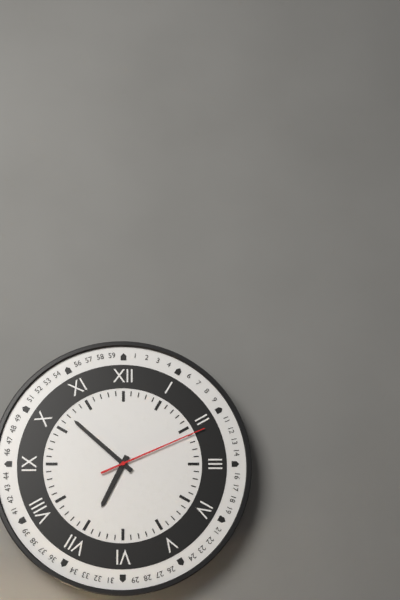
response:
h=6 m=52 s=11
